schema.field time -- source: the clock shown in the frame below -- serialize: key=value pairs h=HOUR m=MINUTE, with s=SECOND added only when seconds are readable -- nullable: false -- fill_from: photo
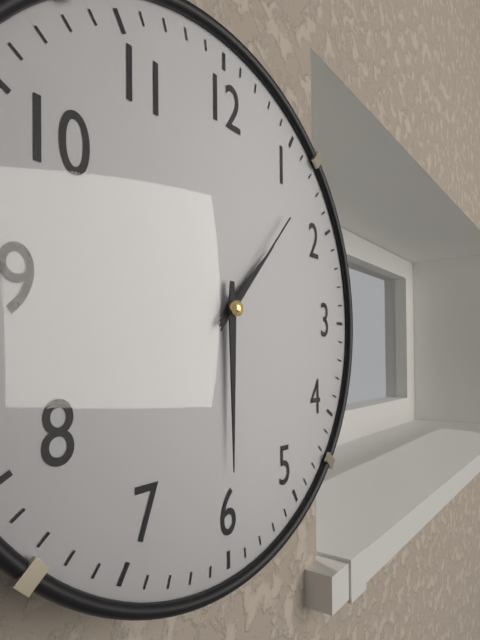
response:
h=1 m=30 s=7
